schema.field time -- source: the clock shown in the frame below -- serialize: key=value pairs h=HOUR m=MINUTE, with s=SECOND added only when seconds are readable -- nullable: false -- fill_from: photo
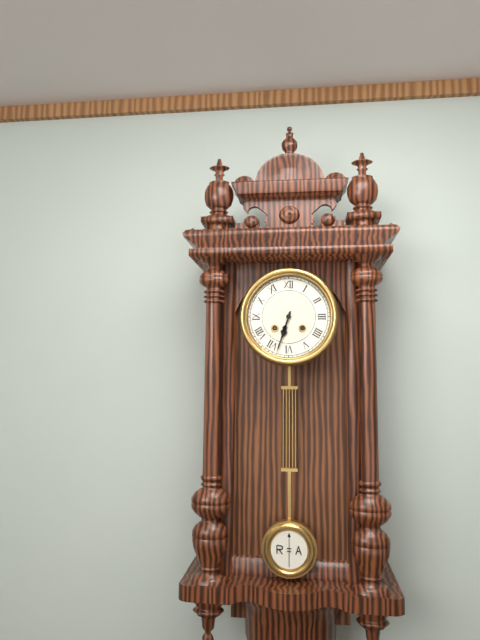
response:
h=6 m=33
